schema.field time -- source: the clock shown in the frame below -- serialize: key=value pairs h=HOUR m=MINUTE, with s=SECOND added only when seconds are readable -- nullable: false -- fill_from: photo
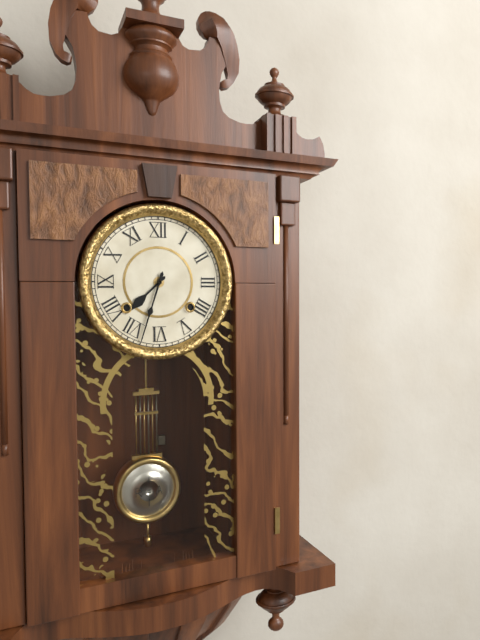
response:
h=7 m=33
